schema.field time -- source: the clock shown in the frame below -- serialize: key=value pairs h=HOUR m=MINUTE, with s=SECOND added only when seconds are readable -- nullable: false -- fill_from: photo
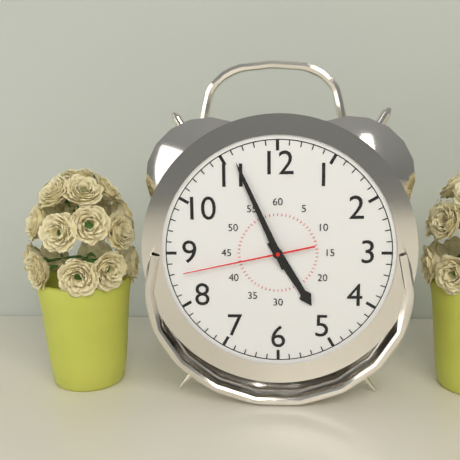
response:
h=4 m=56 s=43
